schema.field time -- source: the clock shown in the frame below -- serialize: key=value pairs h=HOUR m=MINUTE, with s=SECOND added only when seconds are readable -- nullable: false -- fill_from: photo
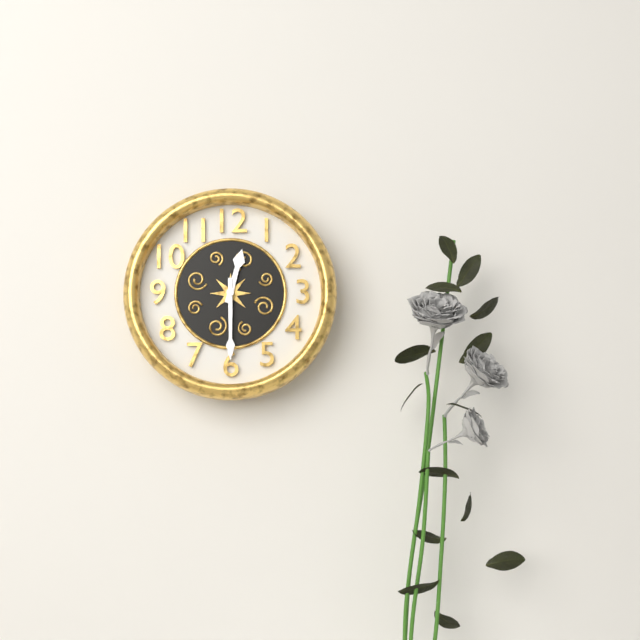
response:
h=12 m=30
